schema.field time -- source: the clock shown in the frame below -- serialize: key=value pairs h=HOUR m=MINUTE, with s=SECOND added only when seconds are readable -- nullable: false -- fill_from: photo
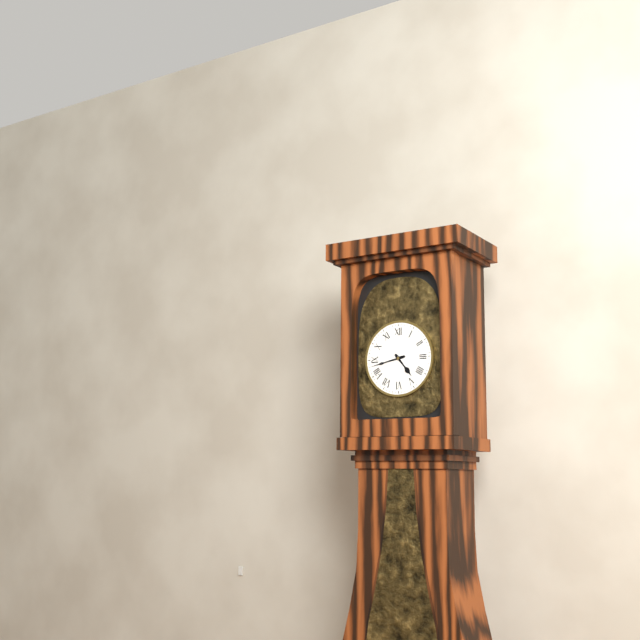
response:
h=4 m=43
